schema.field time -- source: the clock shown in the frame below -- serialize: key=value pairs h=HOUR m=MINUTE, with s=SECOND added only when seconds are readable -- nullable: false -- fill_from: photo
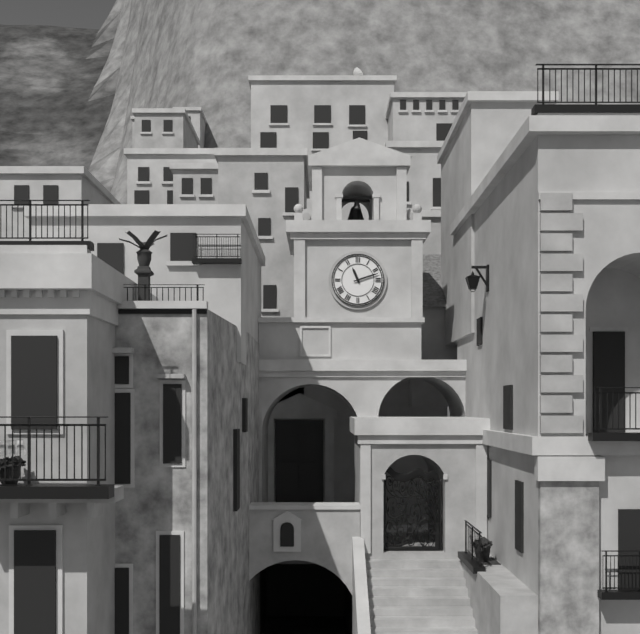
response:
h=11 m=12
